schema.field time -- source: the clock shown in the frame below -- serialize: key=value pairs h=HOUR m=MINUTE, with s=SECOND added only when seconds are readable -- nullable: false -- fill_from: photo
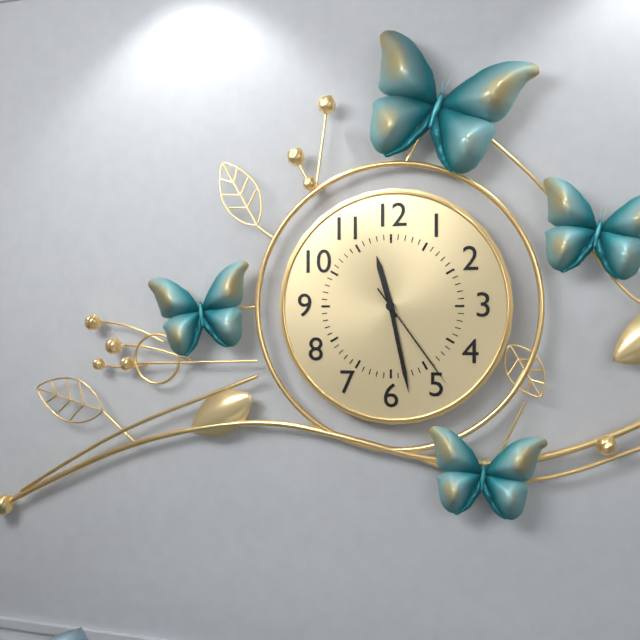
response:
h=11 m=28 s=24
